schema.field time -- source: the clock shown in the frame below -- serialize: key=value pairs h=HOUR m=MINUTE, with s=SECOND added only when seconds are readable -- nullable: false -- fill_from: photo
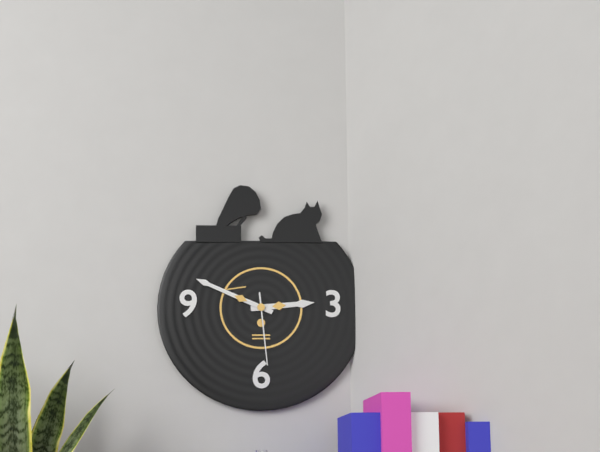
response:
h=2 m=49 s=29
